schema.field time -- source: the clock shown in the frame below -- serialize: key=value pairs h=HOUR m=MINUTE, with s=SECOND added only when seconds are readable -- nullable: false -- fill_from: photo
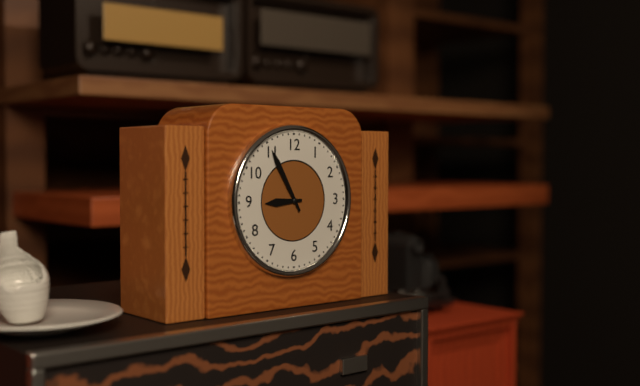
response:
h=8 m=55
